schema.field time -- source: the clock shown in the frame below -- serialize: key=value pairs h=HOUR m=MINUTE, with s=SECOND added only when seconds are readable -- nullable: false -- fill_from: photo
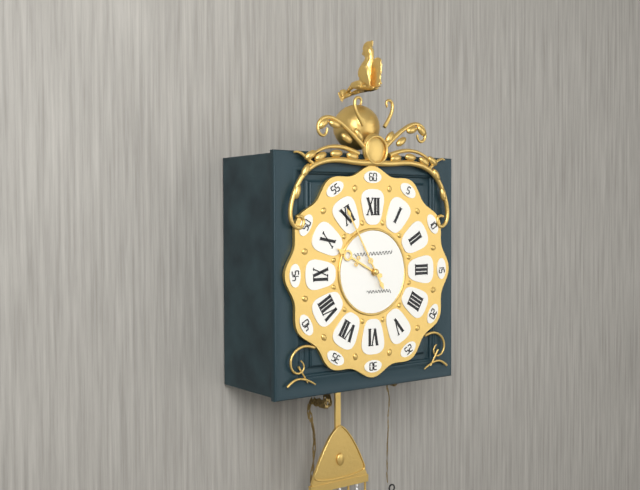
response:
h=9 m=55
